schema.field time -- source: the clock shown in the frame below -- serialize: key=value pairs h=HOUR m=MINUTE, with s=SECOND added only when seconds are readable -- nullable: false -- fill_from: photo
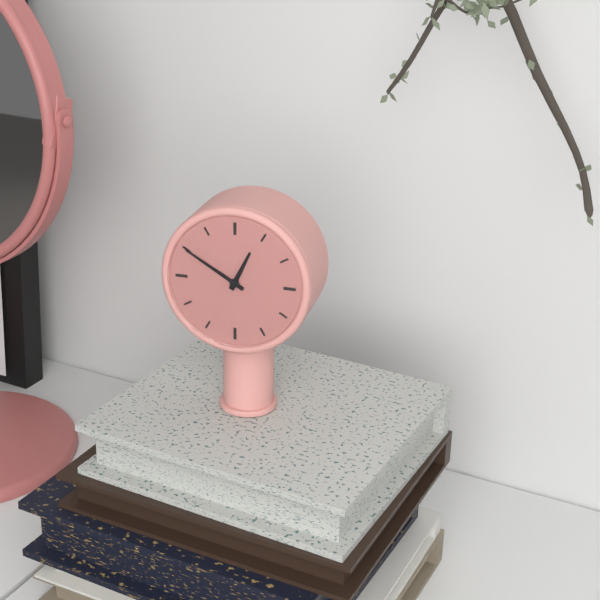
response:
h=12 m=50
